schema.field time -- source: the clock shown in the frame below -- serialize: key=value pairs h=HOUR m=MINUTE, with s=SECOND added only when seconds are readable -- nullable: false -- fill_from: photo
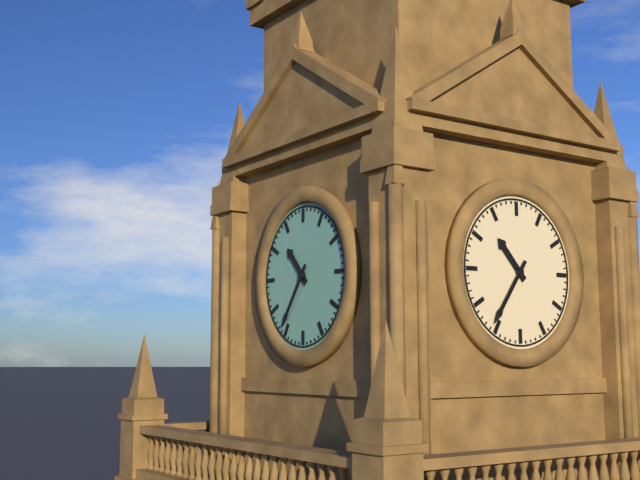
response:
h=10 m=36
